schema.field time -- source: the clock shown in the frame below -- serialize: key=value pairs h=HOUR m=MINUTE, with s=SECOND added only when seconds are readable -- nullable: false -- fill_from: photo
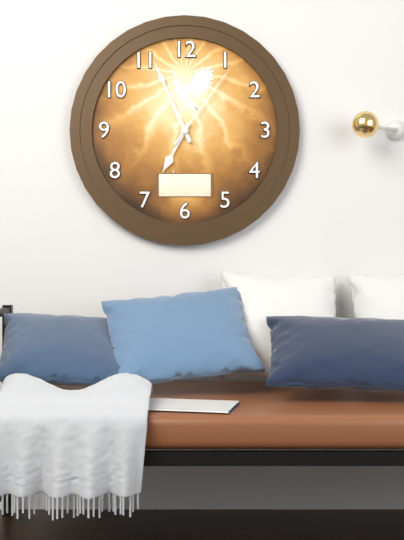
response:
h=6 m=56 s=6
